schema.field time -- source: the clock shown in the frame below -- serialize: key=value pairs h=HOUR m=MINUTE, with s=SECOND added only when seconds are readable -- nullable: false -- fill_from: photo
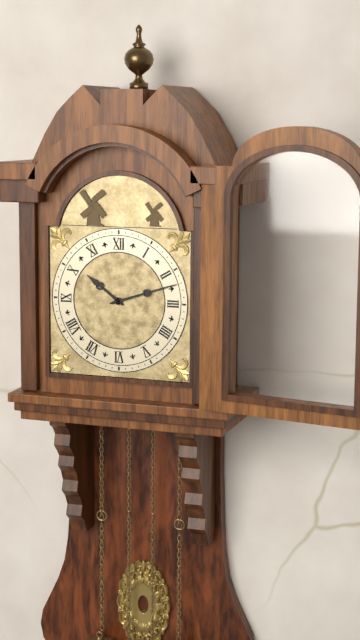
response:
h=10 m=12
